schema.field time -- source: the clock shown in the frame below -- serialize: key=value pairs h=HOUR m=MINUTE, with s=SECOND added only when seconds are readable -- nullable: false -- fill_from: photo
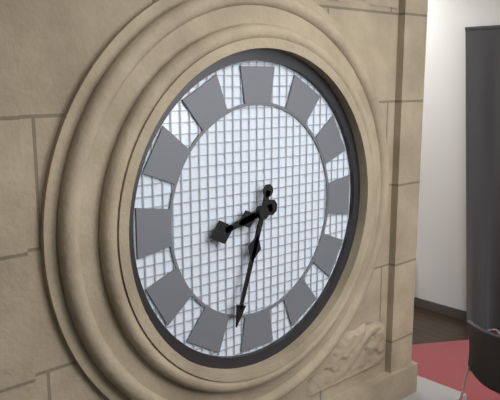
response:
h=8 m=33
